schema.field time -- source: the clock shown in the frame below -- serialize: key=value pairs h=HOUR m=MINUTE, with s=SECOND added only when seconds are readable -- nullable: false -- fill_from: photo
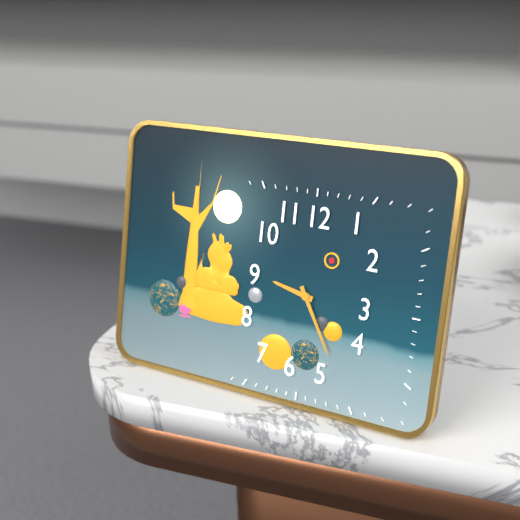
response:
h=9 m=25
